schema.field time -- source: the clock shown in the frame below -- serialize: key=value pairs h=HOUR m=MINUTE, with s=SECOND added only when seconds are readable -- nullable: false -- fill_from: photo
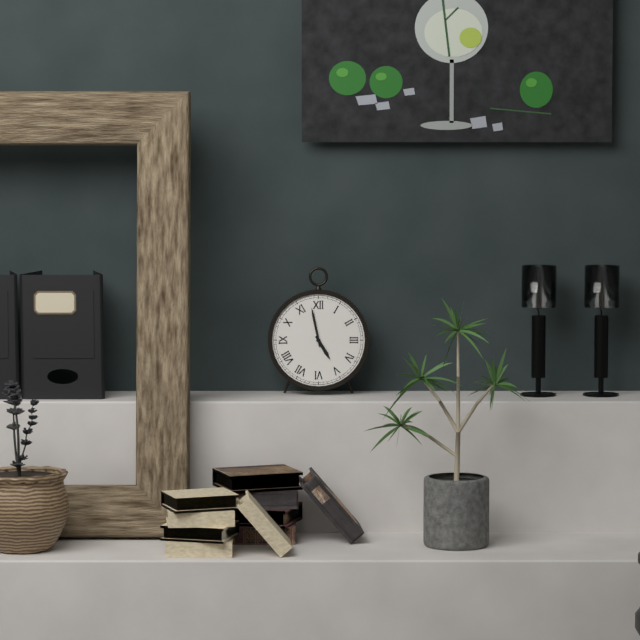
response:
h=4 m=58
